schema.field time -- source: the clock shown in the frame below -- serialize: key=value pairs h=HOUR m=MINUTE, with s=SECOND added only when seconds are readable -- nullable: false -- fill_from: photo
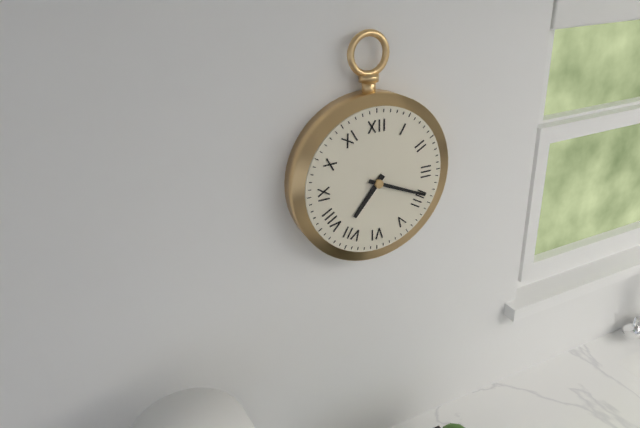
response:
h=7 m=19
